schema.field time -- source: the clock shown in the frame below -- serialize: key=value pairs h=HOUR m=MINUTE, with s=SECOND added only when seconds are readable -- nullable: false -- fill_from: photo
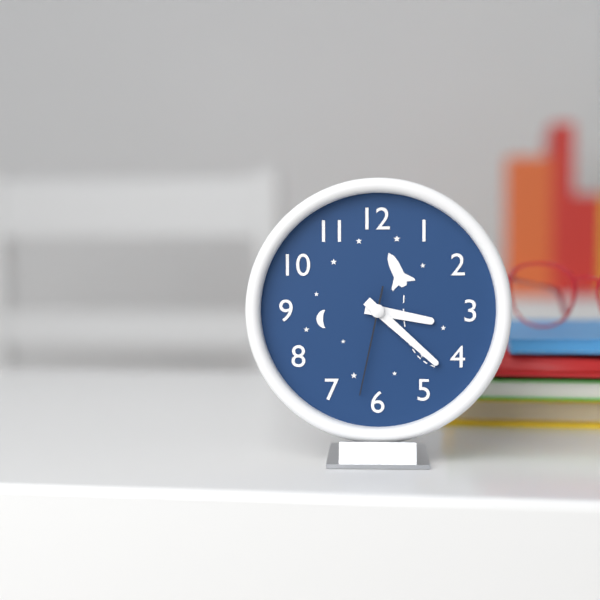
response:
h=3 m=22 s=32
